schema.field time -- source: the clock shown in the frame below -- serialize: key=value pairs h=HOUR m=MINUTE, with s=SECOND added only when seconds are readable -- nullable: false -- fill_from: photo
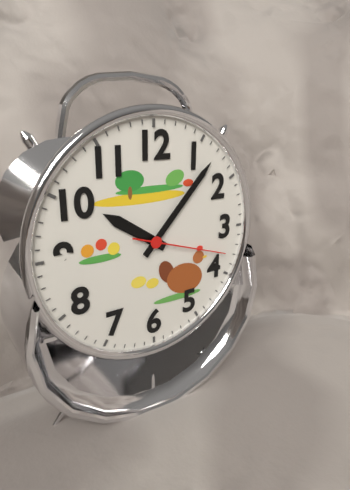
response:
h=10 m=7 s=18
